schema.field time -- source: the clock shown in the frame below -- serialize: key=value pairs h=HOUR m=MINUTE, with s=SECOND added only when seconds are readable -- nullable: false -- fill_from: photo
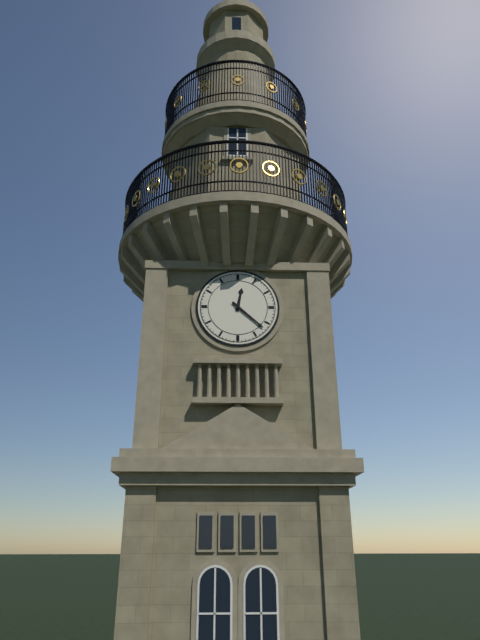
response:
h=12 m=22
